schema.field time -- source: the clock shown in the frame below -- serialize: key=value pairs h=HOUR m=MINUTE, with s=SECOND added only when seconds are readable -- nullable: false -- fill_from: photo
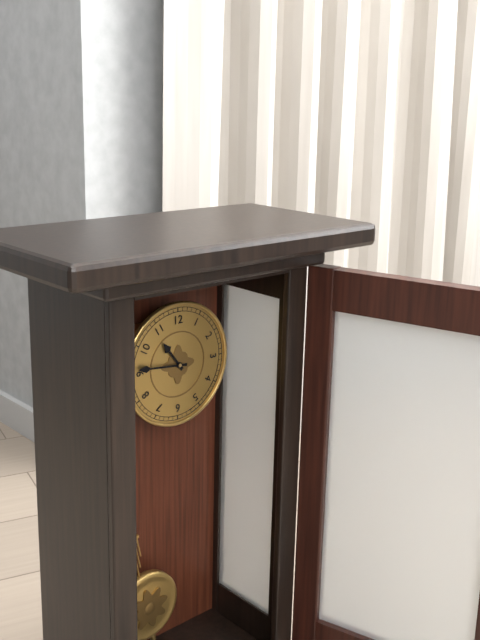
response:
h=10 m=46
